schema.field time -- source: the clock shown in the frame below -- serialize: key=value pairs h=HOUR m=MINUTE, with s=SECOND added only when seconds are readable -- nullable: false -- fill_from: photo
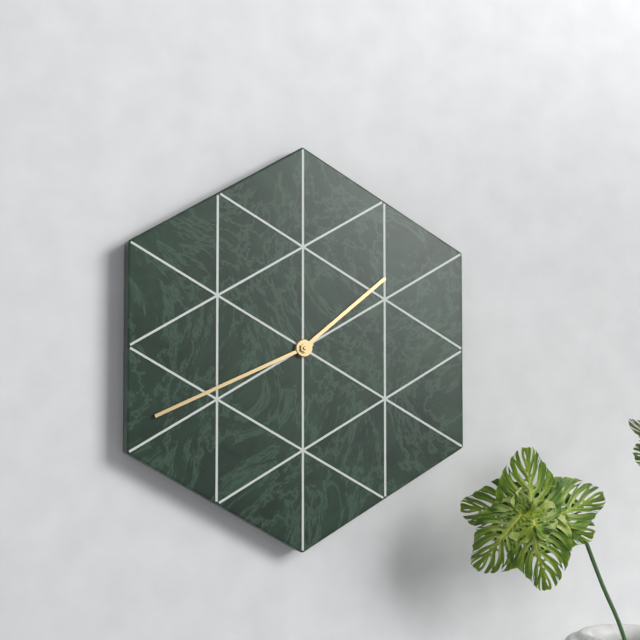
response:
h=1 m=41
